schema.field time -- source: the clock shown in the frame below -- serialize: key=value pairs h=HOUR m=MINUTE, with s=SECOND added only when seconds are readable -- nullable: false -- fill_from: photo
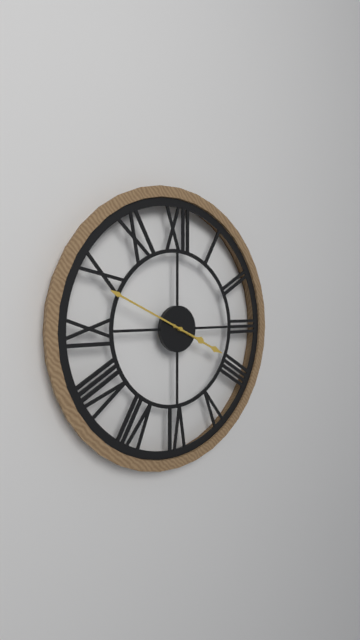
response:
h=3 m=49
